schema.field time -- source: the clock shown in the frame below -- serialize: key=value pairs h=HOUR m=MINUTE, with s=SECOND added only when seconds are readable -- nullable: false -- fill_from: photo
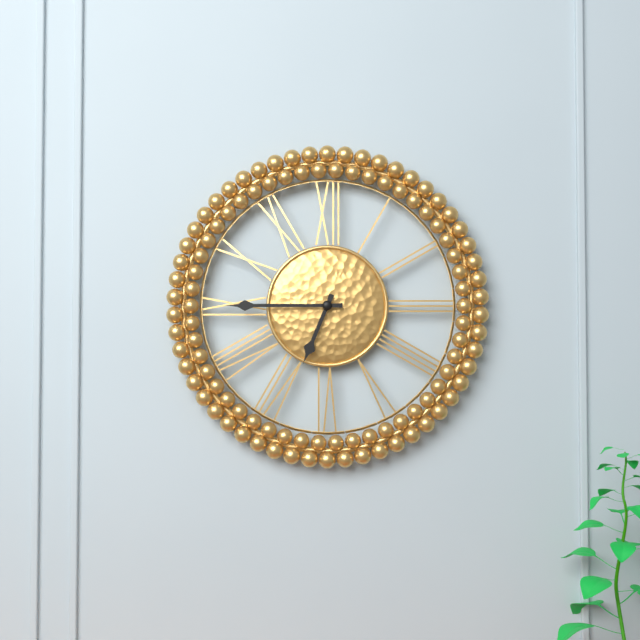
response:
h=6 m=45
